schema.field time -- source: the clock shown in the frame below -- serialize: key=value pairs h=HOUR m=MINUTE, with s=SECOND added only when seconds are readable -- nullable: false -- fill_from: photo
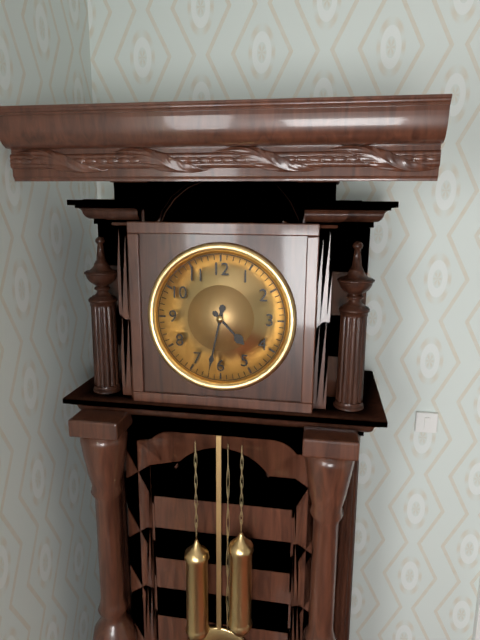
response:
h=4 m=32
